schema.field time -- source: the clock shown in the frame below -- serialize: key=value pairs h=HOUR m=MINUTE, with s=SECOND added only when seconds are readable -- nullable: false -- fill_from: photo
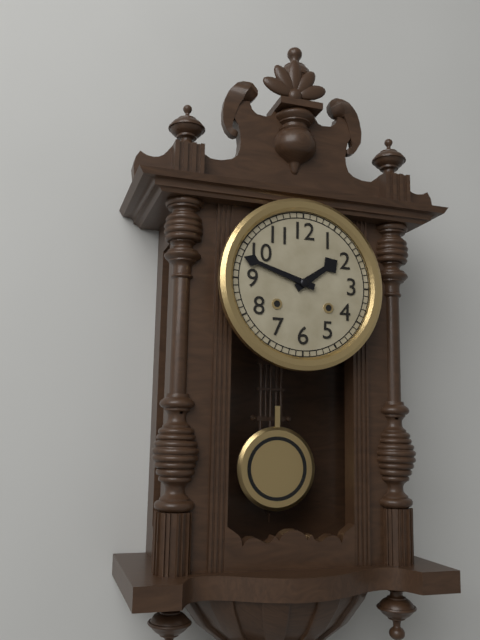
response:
h=1 m=48
